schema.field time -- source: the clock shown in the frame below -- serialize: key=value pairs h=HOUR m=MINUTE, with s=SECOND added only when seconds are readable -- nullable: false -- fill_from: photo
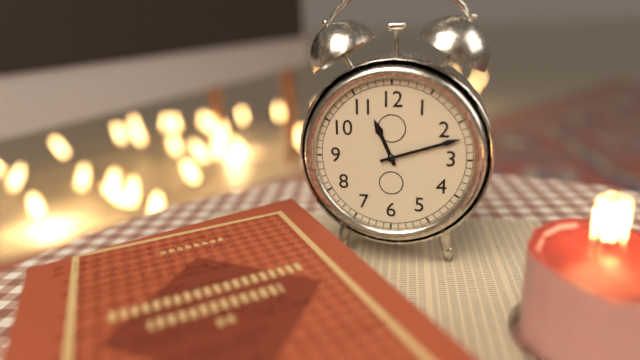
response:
h=11 m=12
